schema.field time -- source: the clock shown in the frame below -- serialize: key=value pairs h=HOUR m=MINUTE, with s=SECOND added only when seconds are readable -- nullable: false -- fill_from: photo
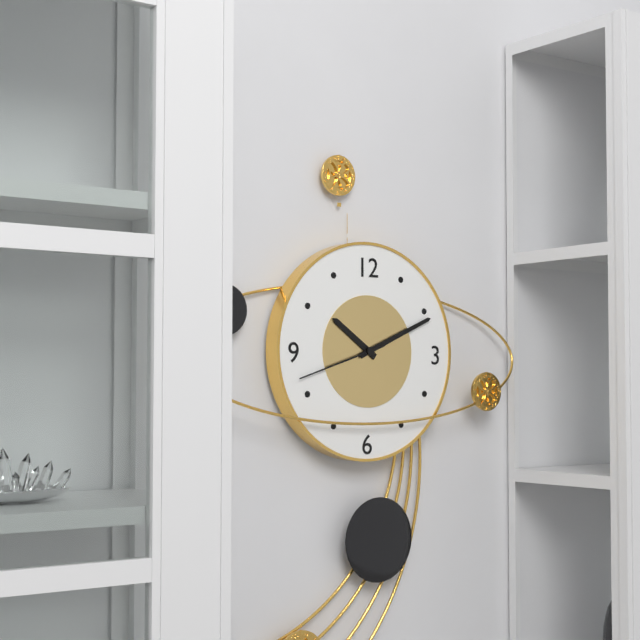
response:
h=10 m=11 s=42
